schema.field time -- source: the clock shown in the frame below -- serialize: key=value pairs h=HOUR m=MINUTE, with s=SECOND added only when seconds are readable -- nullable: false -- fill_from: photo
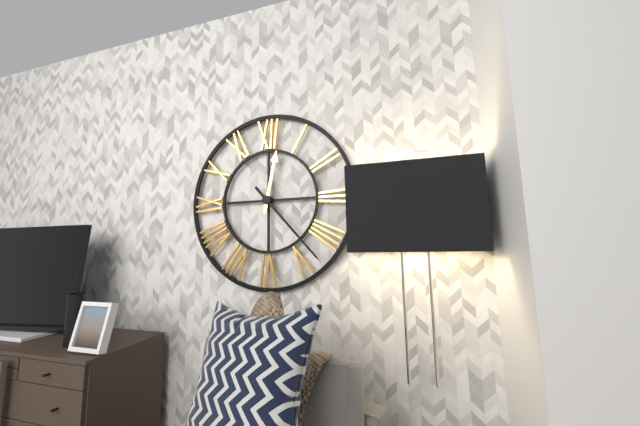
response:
h=12 m=23
